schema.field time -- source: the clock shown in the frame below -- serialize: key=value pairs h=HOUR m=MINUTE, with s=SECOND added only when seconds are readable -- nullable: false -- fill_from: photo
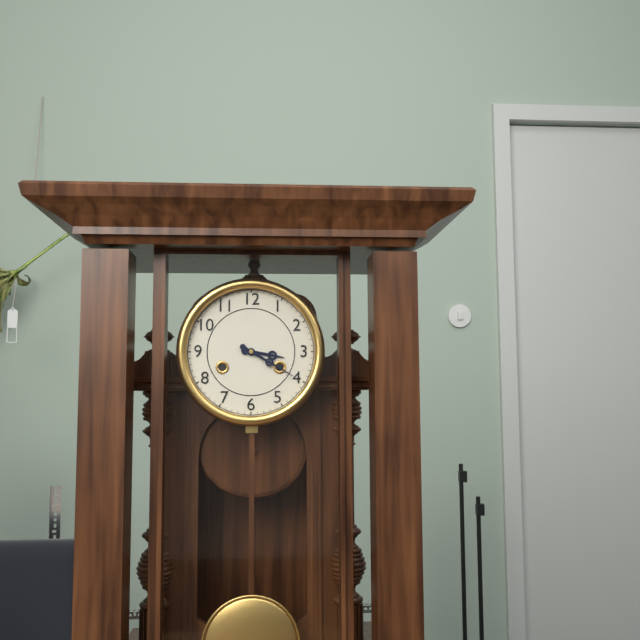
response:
h=3 m=20
